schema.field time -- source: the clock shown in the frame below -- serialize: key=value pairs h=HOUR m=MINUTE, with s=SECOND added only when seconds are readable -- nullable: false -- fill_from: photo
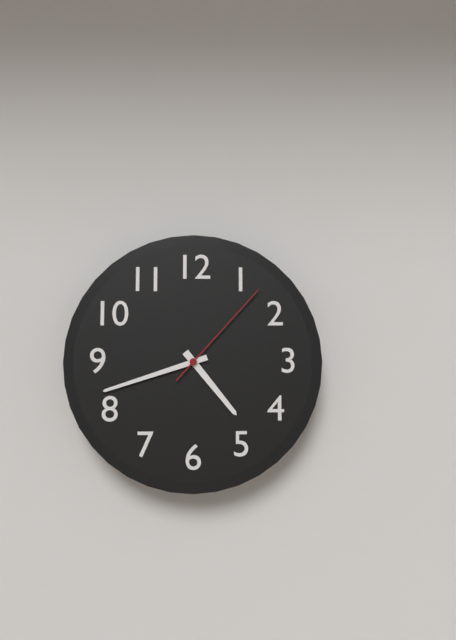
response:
h=4 m=42 s=7
